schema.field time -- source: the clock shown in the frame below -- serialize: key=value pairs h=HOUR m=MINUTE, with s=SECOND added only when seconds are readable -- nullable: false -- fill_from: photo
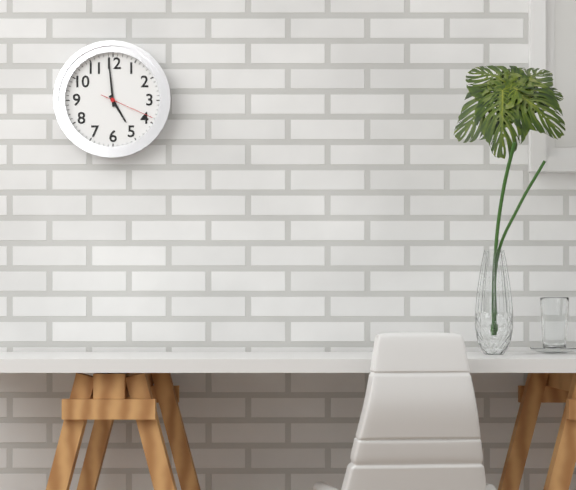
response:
h=4 m=59 s=19
